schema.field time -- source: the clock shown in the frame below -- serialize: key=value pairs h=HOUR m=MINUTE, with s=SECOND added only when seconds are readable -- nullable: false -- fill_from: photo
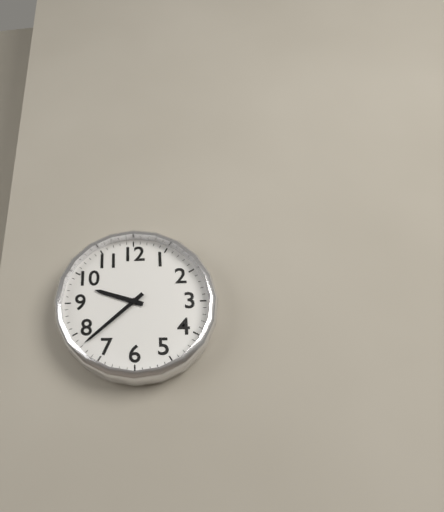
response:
h=9 m=38
